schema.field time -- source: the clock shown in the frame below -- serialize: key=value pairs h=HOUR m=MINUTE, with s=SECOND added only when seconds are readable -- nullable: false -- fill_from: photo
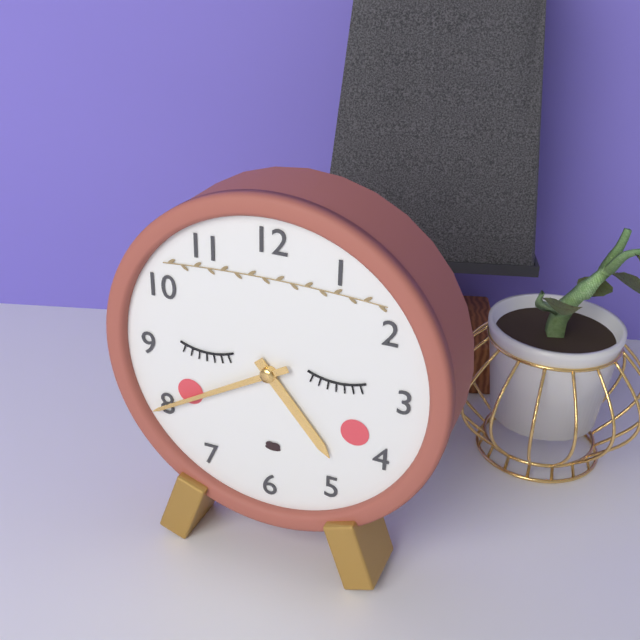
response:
h=4 m=40
